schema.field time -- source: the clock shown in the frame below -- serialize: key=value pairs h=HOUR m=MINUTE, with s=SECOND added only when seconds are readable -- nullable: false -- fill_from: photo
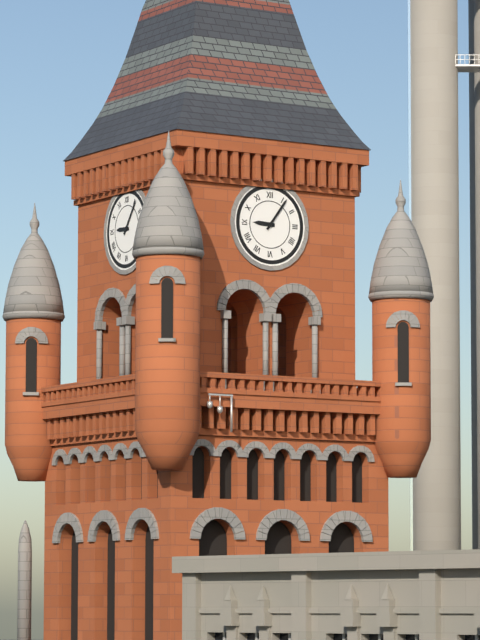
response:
h=9 m=6
